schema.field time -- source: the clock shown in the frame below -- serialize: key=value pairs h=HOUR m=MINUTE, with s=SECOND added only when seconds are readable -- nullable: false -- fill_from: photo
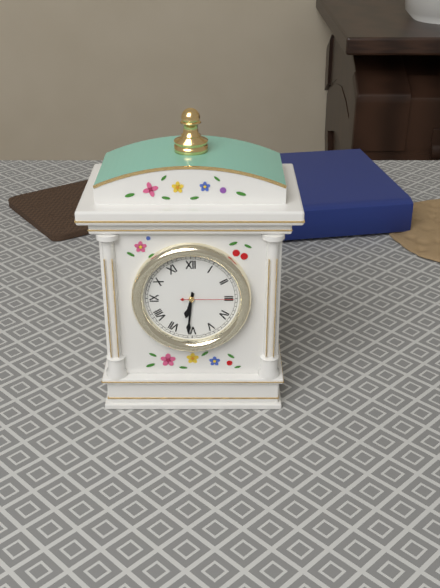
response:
h=6 m=31 s=15
